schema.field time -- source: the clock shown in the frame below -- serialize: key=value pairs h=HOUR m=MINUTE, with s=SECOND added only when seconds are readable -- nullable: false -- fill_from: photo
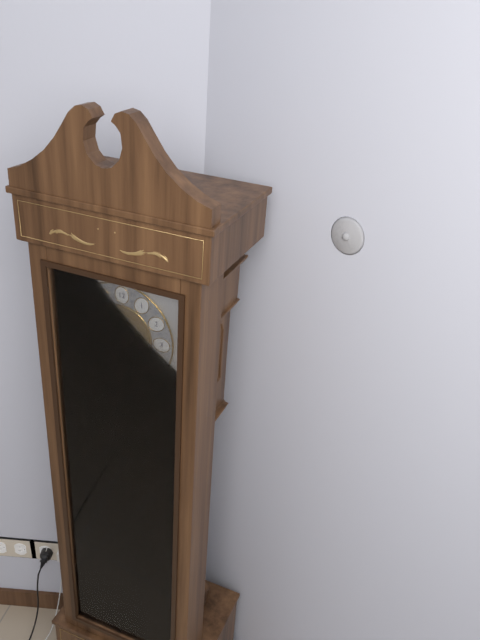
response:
h=11 m=22
